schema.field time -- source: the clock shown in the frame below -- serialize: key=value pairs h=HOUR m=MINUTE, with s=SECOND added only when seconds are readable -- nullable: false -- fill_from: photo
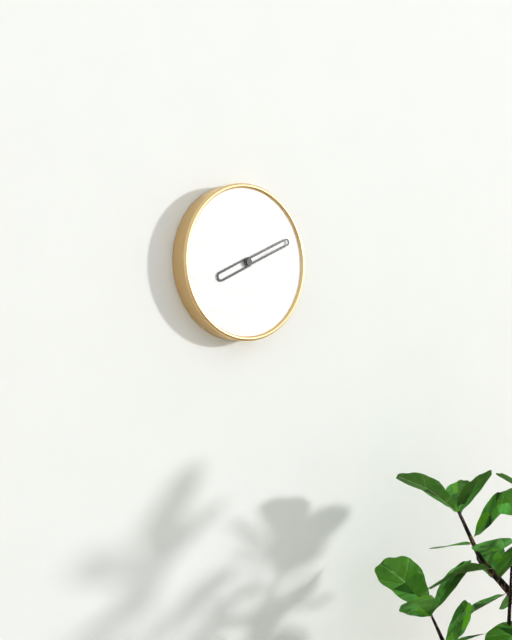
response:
h=8 m=11
